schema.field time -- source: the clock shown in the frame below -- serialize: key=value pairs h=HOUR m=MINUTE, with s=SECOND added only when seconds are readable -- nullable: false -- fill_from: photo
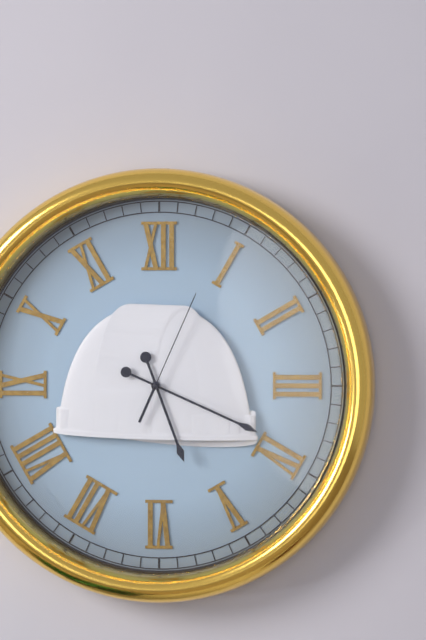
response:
h=5 m=19 s=4
